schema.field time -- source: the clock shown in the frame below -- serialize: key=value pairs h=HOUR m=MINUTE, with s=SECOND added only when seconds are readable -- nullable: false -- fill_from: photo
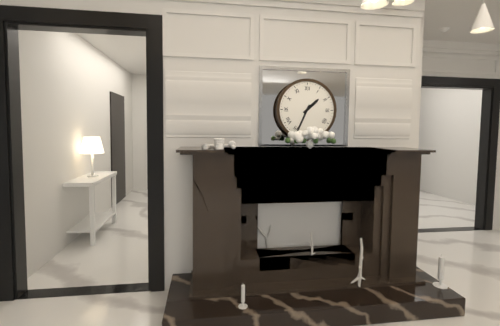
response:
h=1 m=34
